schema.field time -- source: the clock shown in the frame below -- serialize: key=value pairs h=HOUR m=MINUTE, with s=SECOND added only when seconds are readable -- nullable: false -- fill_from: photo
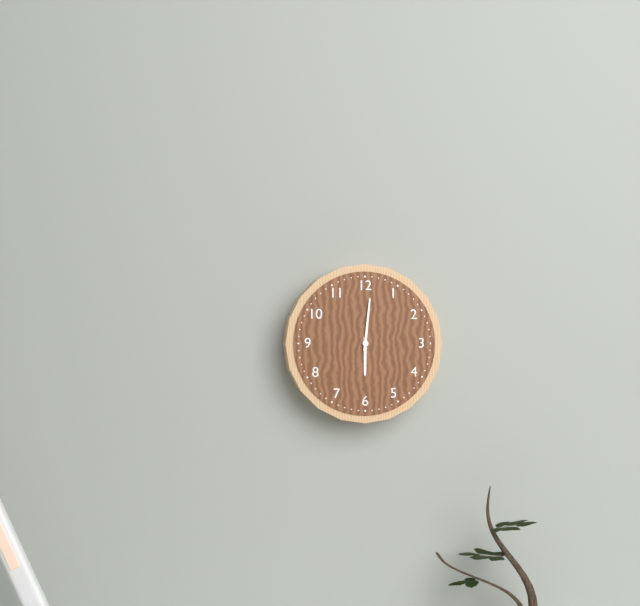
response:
h=6 m=1
